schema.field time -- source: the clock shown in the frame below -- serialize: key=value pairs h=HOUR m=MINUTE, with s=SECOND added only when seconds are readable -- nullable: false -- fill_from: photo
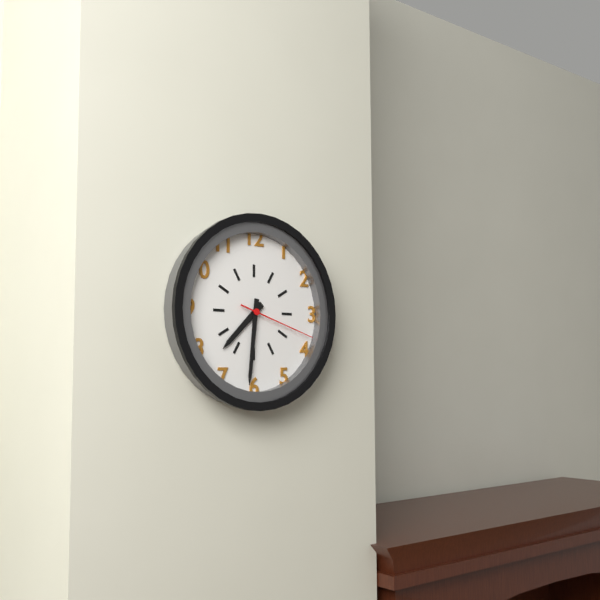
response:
h=7 m=31 s=18
